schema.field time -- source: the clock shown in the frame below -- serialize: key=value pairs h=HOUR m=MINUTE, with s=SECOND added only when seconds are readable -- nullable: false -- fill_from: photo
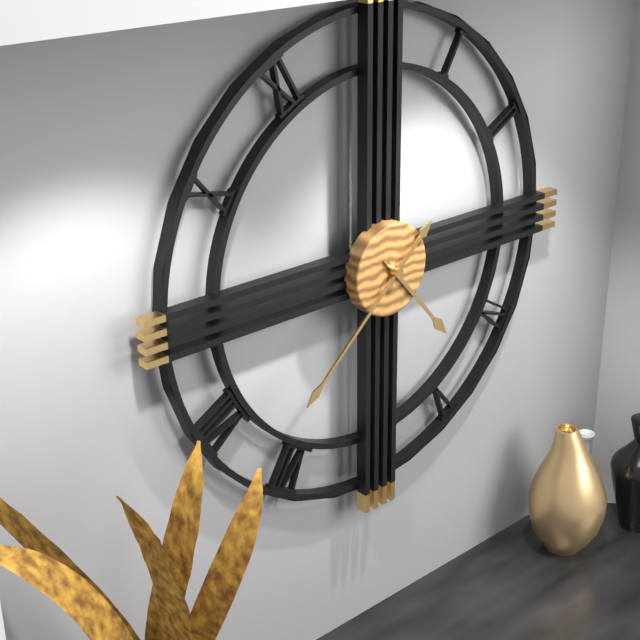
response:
h=4 m=38
